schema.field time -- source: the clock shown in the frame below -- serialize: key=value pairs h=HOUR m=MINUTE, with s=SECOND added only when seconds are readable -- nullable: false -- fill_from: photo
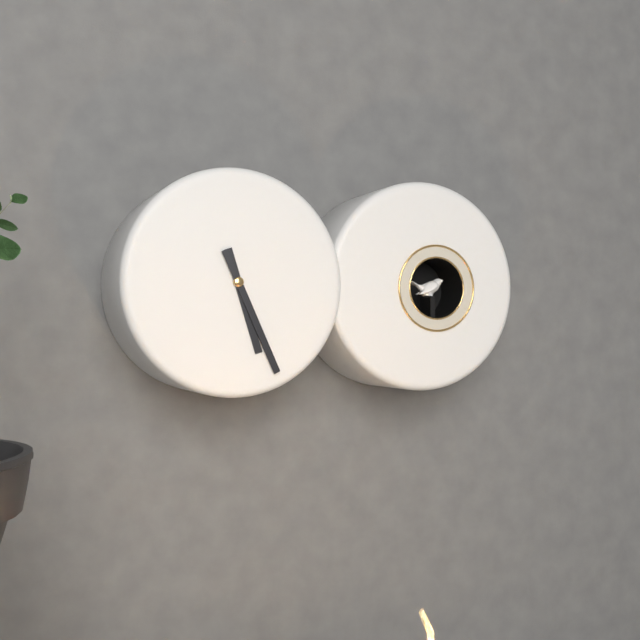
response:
h=5 m=26
